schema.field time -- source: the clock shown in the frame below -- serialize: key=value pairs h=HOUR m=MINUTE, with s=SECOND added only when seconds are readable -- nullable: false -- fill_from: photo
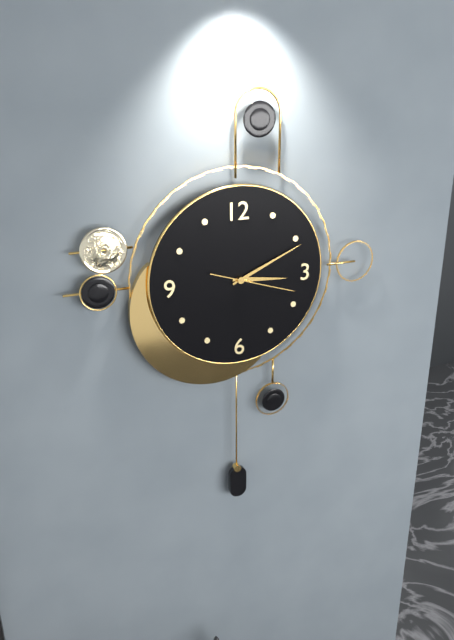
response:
h=3 m=11 s=18
